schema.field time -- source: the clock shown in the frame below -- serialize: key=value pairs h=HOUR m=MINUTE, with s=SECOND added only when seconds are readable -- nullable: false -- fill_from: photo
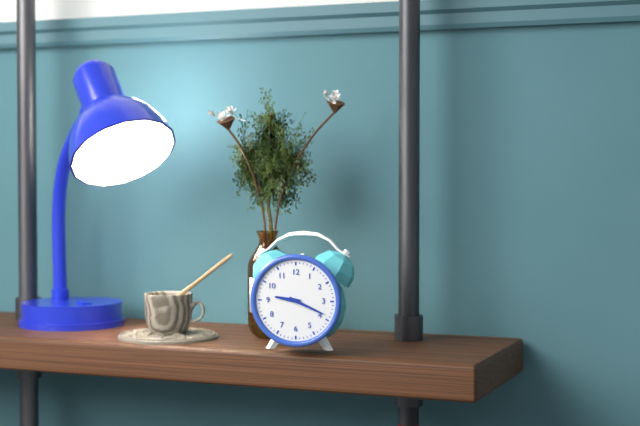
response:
h=9 m=19
